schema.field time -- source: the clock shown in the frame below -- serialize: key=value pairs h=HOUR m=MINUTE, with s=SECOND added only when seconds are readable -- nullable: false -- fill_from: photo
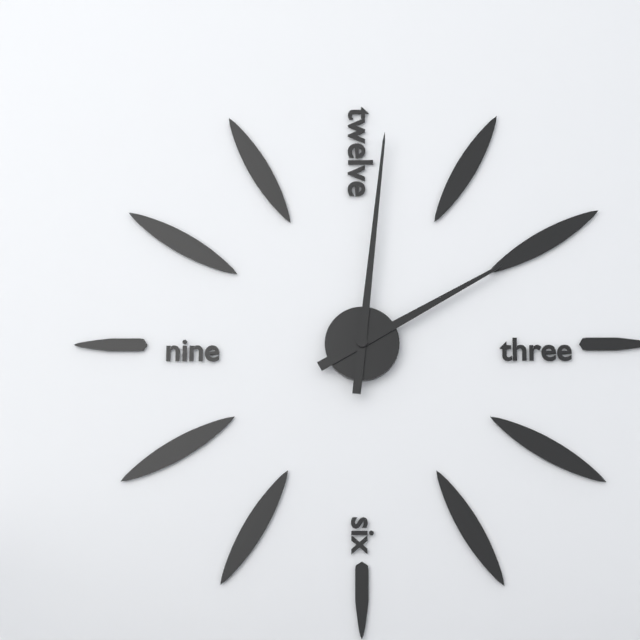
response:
h=2 m=1
